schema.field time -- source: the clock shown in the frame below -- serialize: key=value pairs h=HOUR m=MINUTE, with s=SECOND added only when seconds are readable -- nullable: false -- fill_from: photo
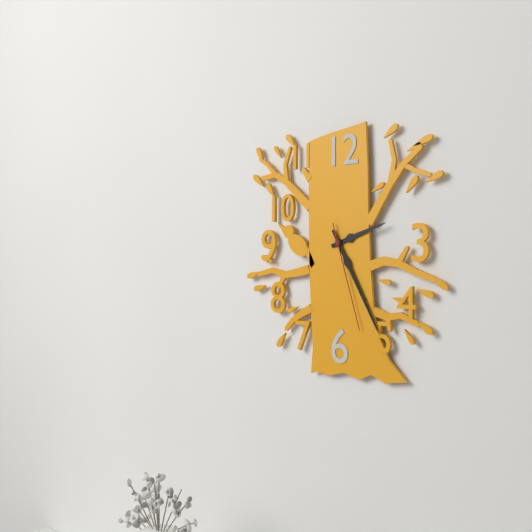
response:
h=2 m=25 s=27
